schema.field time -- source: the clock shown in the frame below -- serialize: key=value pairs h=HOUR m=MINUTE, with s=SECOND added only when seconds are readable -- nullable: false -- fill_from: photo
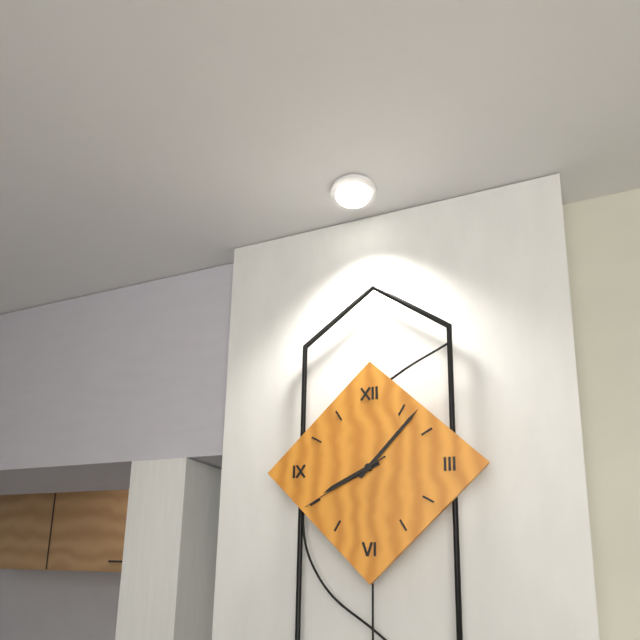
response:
h=8 m=7 s=40
